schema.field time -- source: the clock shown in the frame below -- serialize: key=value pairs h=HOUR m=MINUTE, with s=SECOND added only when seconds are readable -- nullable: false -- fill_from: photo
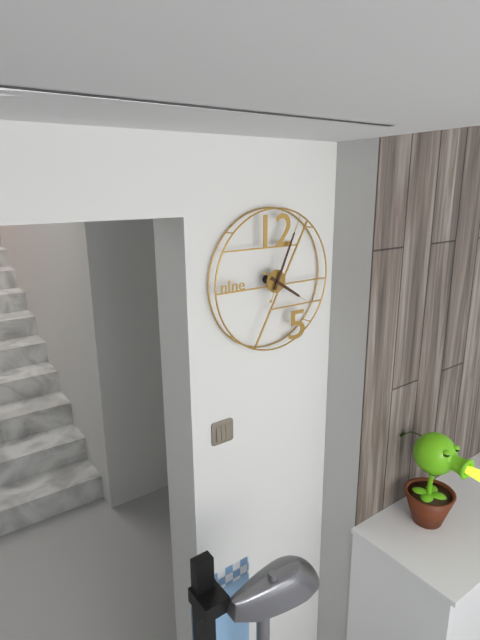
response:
h=4 m=4
